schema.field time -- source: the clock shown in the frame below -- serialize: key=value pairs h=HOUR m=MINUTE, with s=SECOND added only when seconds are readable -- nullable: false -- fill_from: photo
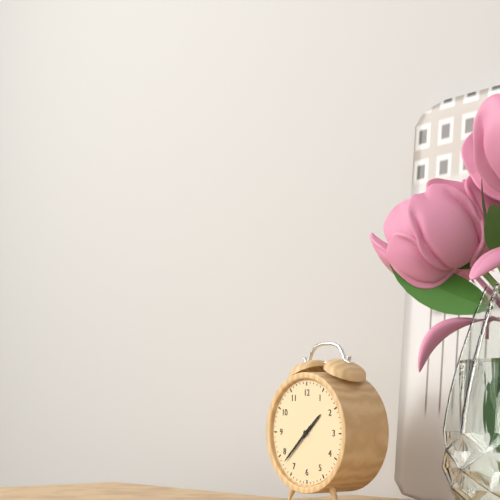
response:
h=1 m=38
